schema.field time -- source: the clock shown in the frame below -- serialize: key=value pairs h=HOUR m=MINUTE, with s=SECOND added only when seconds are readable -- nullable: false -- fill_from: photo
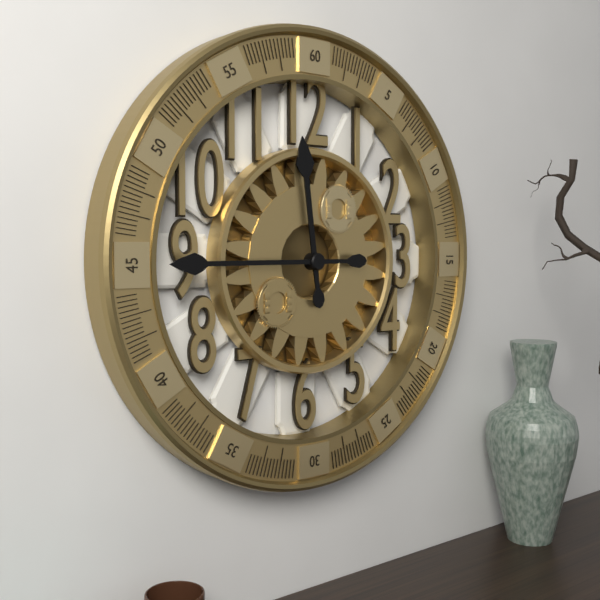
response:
h=11 m=45
